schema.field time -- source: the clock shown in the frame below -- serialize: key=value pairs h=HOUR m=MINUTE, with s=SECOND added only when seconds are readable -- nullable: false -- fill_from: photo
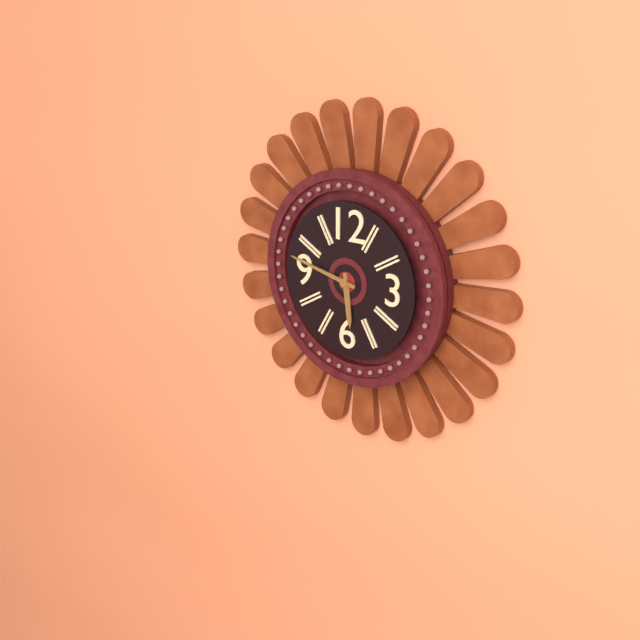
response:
h=5 m=47
